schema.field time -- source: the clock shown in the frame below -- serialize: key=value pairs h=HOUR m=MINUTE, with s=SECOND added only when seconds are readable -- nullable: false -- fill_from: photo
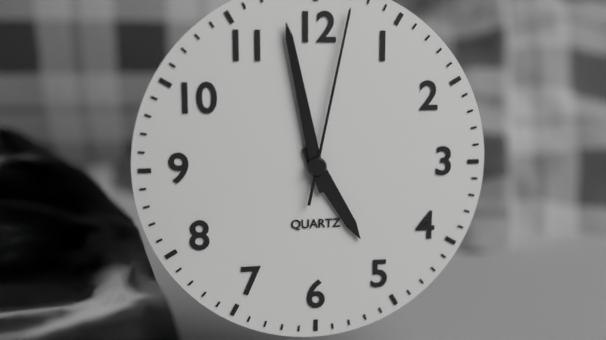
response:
h=4 m=58 s=2
